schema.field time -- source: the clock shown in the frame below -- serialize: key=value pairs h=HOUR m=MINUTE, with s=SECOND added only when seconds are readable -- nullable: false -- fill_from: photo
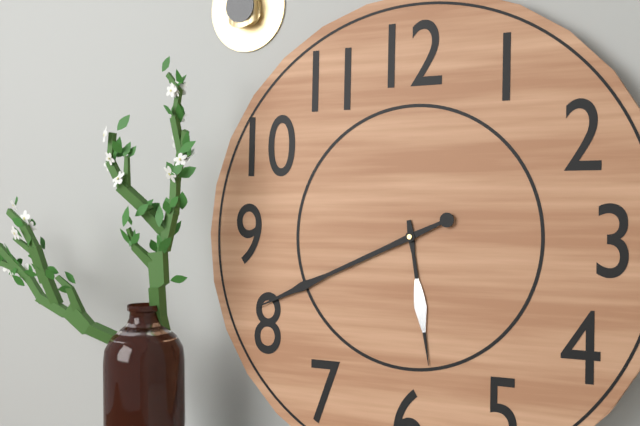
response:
h=5 m=41
